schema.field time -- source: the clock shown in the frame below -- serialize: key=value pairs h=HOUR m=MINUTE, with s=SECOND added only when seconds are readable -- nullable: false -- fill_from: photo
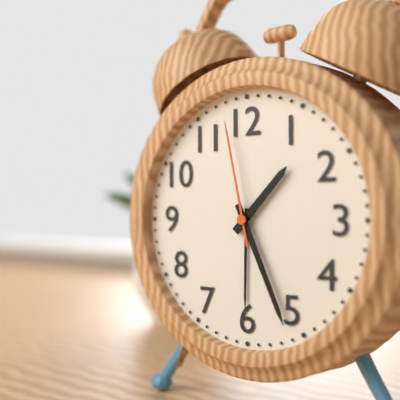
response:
h=1 m=26 s=58
